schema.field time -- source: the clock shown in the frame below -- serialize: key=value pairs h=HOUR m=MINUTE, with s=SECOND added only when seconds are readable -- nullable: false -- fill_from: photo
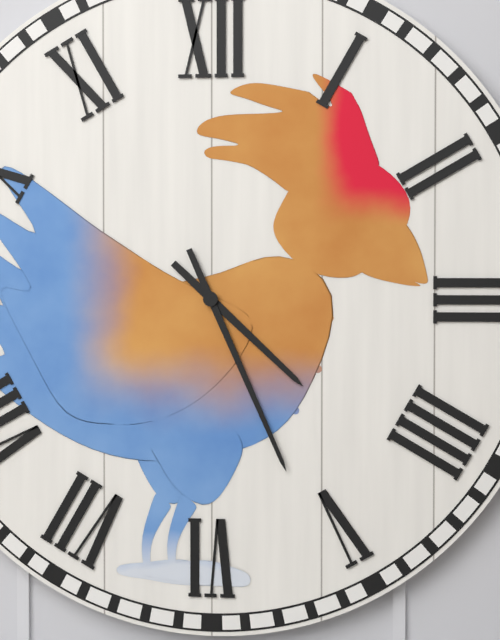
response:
h=4 m=26
